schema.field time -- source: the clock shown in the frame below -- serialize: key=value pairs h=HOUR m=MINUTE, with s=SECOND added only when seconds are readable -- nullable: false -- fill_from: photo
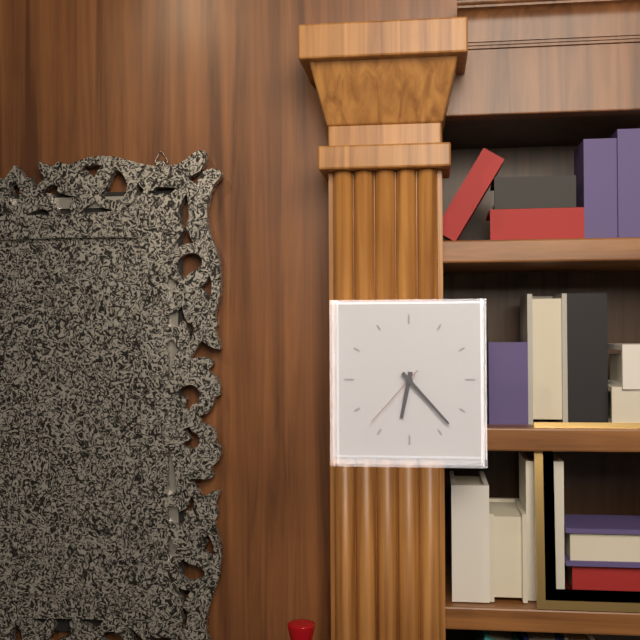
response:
h=6 m=23 s=37
